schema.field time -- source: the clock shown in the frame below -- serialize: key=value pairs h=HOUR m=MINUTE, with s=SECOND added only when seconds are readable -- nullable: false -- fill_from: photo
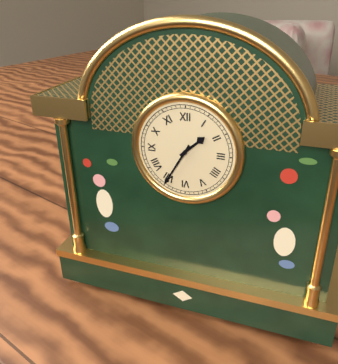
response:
h=1 m=35
